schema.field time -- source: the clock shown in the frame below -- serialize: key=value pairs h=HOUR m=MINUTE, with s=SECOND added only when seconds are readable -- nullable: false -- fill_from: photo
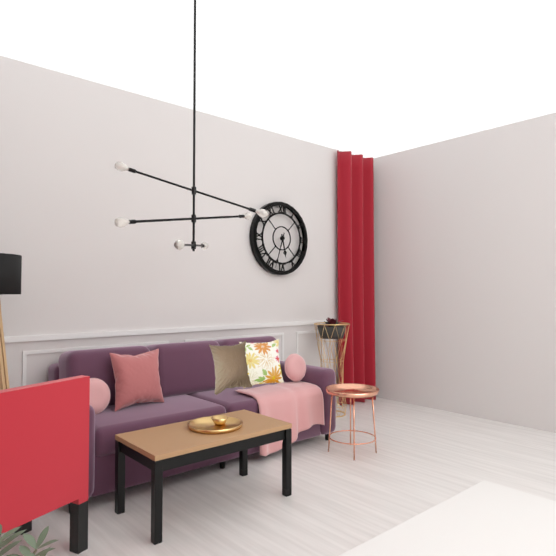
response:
h=5 m=33
